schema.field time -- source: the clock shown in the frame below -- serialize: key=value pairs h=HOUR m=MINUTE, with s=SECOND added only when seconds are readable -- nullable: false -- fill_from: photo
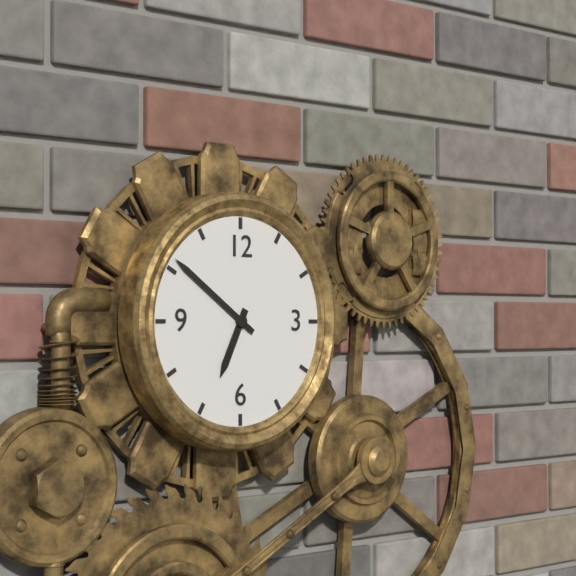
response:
h=6 m=51
